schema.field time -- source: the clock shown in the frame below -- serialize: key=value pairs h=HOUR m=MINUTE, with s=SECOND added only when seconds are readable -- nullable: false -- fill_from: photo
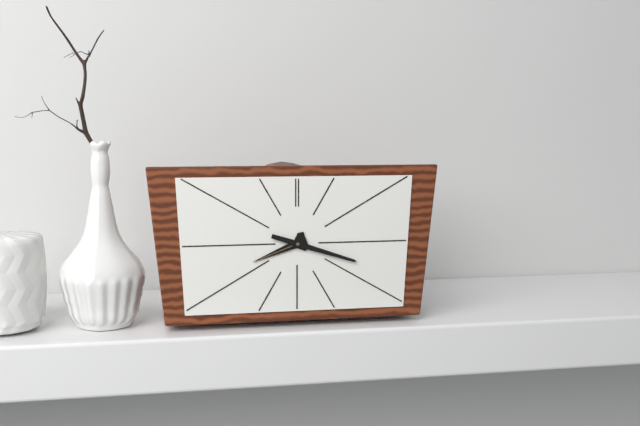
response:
h=8 m=18
